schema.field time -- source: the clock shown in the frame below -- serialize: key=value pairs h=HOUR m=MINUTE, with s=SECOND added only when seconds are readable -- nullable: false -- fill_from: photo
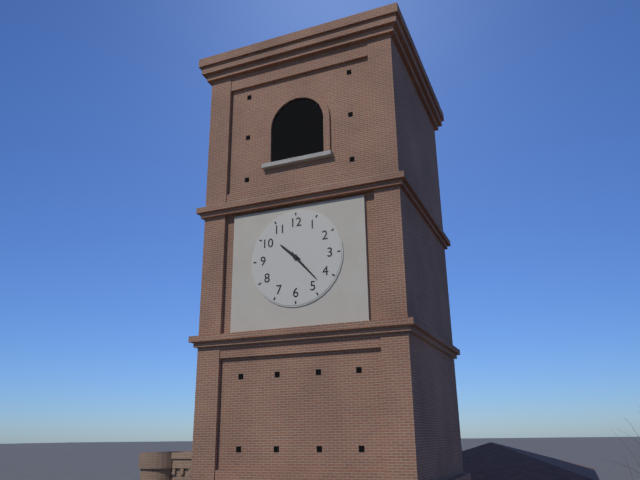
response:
h=10 m=23
